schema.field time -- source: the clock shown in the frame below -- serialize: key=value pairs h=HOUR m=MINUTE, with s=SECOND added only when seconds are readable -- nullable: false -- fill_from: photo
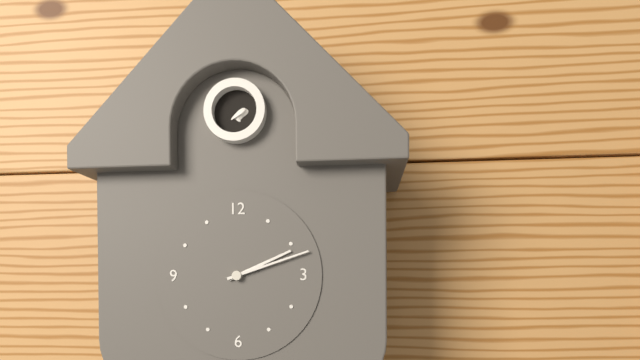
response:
h=2 m=12
